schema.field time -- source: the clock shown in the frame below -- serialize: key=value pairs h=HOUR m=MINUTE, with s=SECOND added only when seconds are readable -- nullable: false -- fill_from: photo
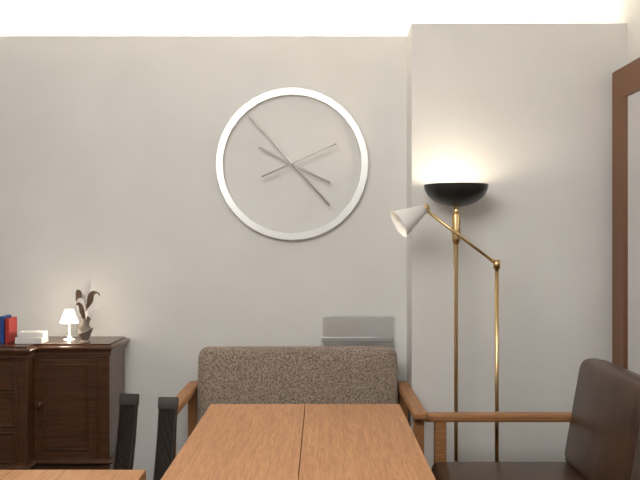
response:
h=3 m=53 s=11
